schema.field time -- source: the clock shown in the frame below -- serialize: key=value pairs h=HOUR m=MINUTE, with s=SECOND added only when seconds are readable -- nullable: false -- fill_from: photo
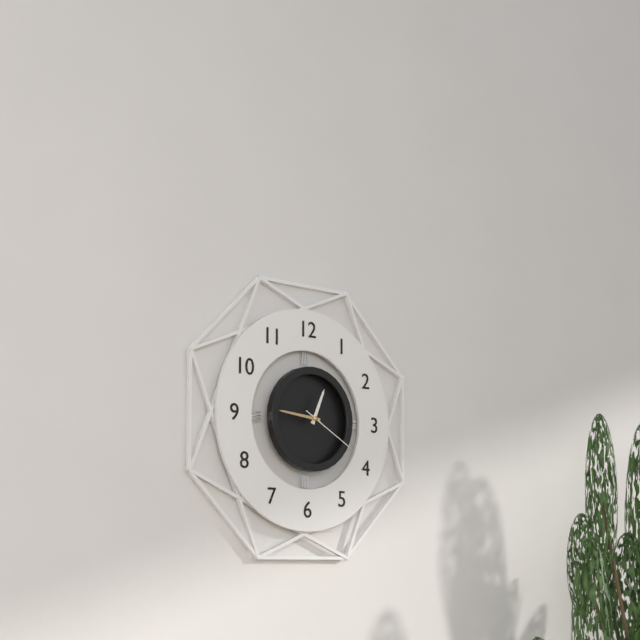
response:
h=12 m=46 s=20
